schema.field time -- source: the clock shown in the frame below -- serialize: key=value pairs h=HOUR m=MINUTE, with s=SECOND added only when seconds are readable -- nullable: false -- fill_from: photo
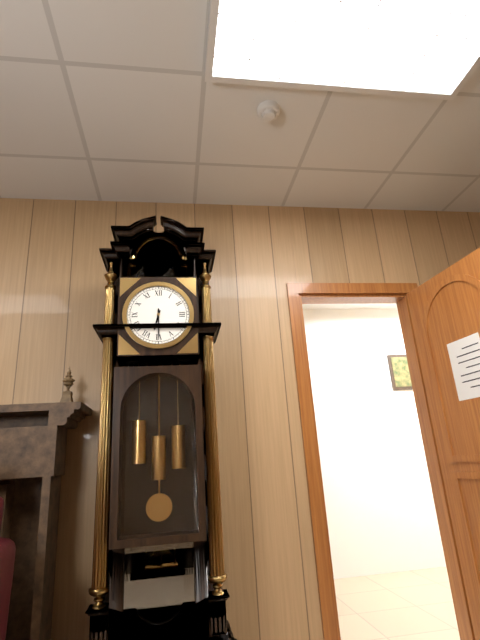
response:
h=6 m=30
